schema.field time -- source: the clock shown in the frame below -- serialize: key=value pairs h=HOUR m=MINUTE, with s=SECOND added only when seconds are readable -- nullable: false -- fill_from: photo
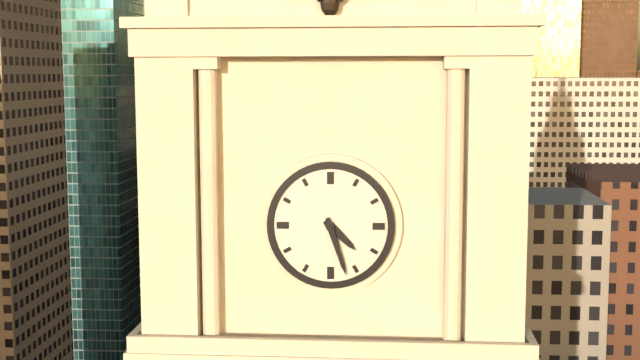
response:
h=4 m=27
